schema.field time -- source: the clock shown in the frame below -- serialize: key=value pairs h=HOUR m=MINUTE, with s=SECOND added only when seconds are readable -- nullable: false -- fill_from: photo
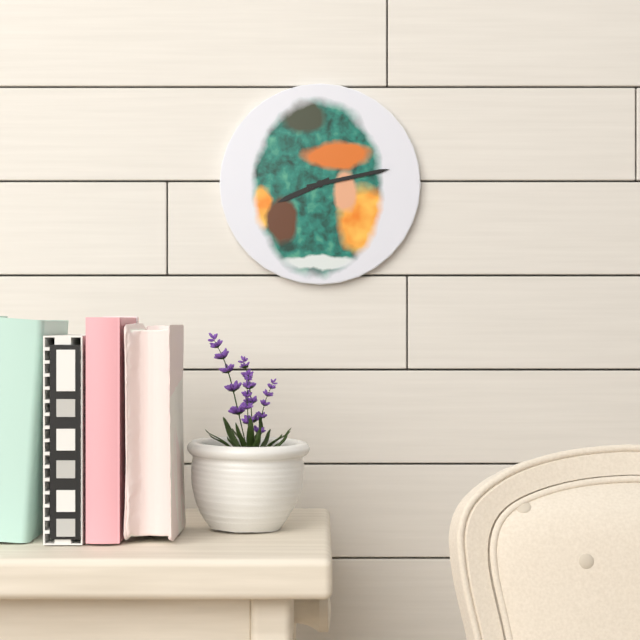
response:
h=8 m=13
